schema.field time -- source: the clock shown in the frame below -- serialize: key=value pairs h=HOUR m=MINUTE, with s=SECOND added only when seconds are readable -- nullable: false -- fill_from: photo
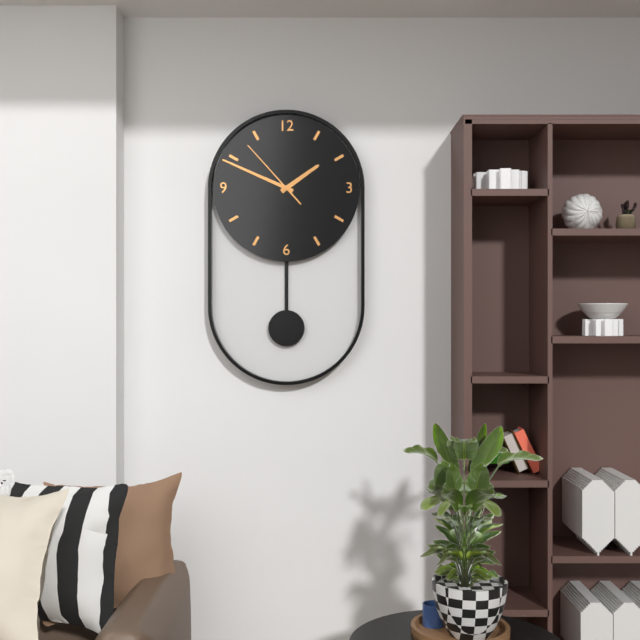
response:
h=1 m=49 s=53
